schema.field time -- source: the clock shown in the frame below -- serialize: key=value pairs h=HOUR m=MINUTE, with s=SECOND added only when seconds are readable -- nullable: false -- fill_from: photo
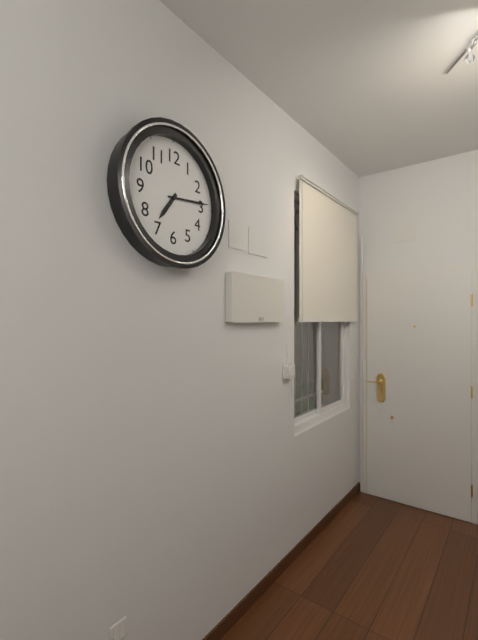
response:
h=7 m=14
